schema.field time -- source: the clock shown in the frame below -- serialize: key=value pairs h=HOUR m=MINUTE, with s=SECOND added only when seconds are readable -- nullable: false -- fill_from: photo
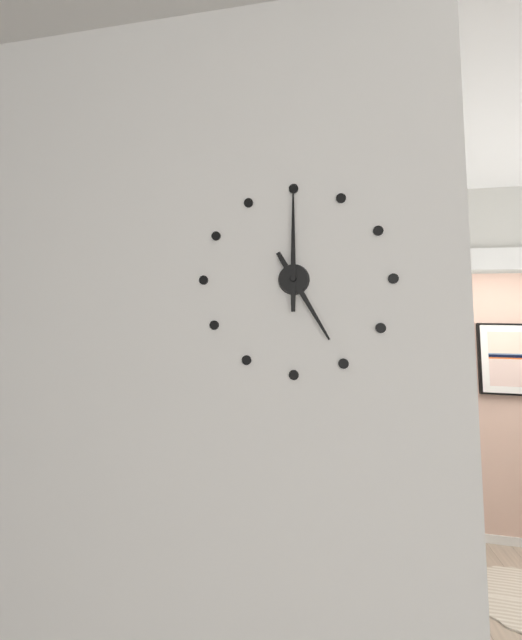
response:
h=5 m=0
